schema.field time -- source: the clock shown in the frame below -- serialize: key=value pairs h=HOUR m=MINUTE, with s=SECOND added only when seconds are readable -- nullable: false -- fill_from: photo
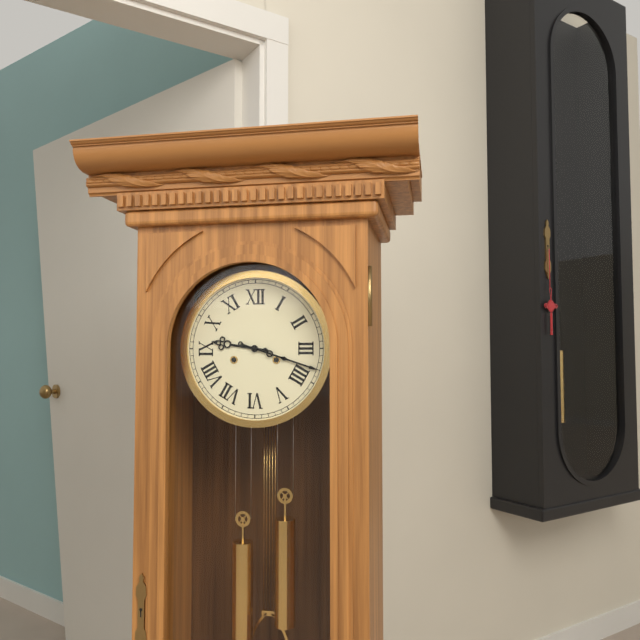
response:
h=9 m=18
